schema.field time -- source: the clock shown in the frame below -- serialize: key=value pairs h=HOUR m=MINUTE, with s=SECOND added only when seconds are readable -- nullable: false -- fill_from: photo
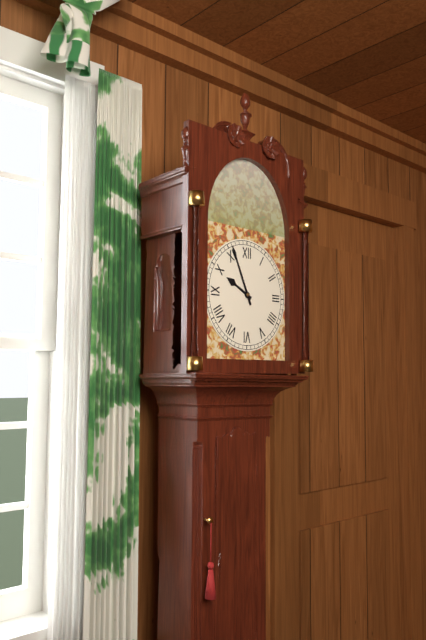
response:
h=9 m=56
